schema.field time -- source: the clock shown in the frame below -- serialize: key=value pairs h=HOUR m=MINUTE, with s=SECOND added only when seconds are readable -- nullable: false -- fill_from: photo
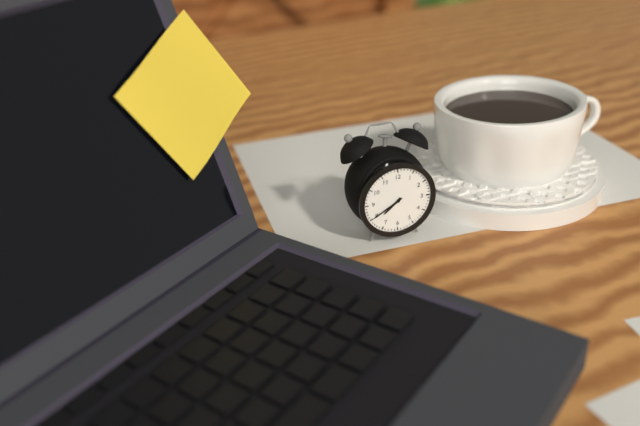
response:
h=7 m=40
